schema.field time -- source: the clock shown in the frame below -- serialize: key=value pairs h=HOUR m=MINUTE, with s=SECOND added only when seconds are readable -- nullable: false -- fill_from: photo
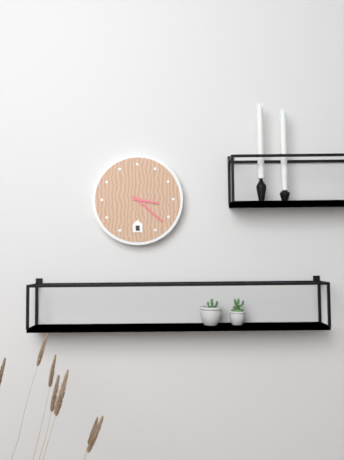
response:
h=3 m=22
